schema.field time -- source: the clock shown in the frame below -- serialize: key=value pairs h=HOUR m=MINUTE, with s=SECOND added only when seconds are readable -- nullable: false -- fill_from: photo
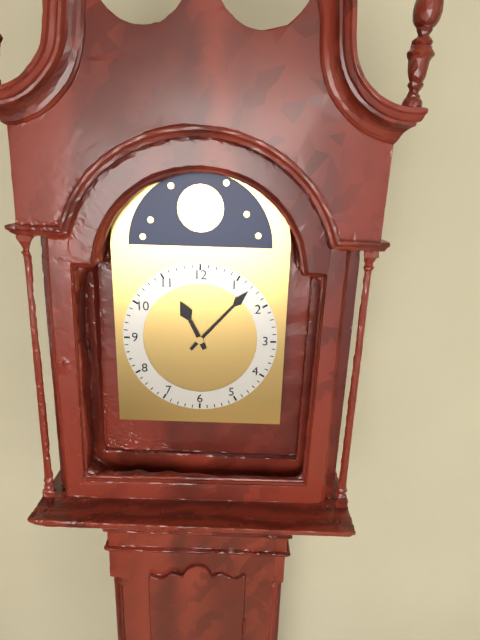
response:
h=11 m=7
